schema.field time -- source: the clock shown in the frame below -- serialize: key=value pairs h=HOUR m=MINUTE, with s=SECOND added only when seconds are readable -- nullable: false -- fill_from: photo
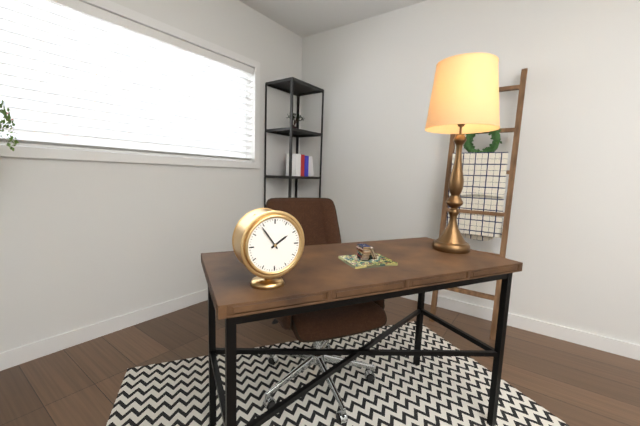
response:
h=1 m=54
